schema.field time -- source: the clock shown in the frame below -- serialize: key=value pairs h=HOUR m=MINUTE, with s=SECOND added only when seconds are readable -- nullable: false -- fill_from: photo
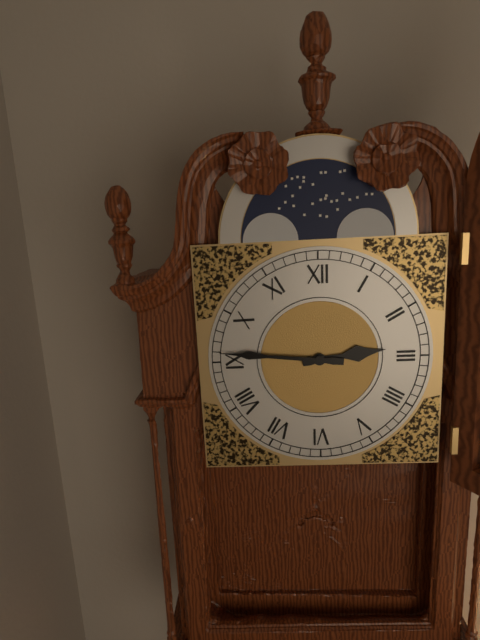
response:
h=2 m=46
